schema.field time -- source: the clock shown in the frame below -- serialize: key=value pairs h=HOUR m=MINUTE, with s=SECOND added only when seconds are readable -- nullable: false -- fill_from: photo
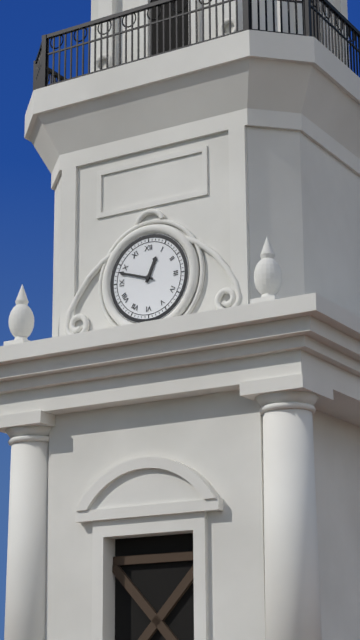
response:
h=12 m=48
